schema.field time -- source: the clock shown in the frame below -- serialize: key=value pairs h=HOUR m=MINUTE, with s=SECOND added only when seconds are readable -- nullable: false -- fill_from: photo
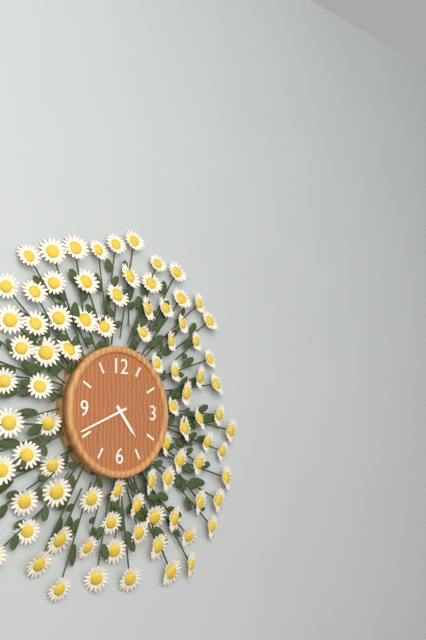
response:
h=4 m=41
